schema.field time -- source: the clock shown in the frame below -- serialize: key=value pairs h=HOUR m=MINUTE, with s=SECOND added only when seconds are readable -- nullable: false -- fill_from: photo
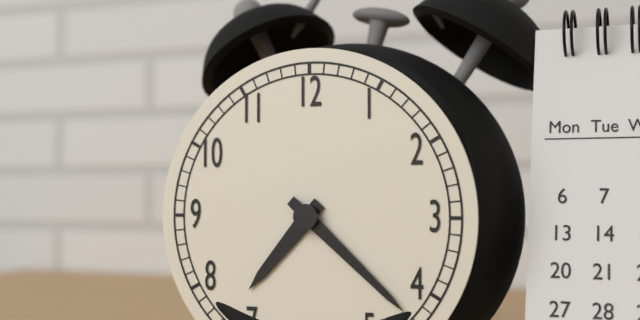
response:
h=7 m=22
